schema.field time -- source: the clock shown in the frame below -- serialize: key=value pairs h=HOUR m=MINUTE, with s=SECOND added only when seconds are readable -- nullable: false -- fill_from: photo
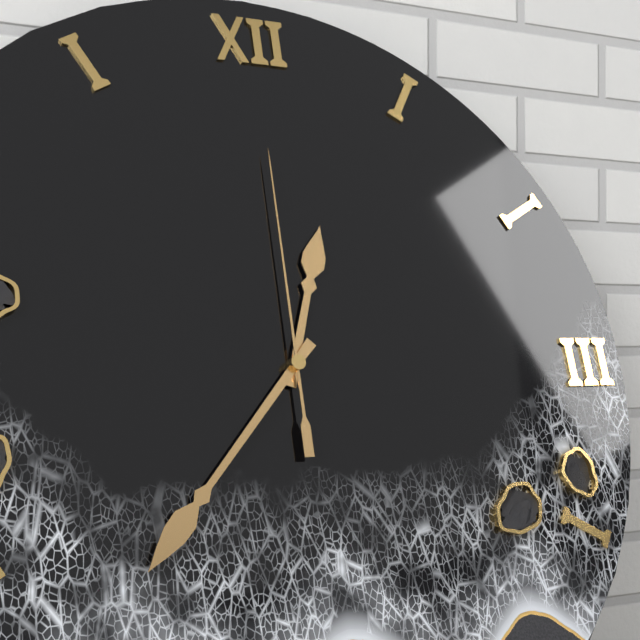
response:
h=12 m=37 s=0
